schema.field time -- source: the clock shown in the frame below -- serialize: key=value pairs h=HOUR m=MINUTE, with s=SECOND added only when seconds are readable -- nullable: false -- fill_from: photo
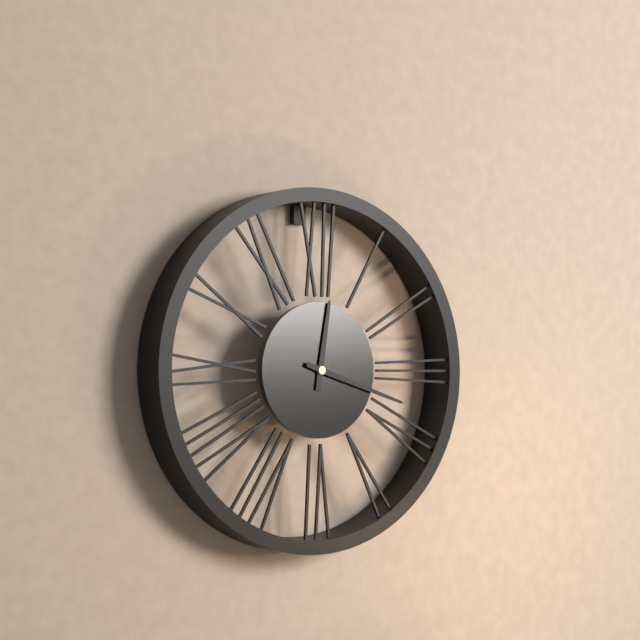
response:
h=12 m=18
